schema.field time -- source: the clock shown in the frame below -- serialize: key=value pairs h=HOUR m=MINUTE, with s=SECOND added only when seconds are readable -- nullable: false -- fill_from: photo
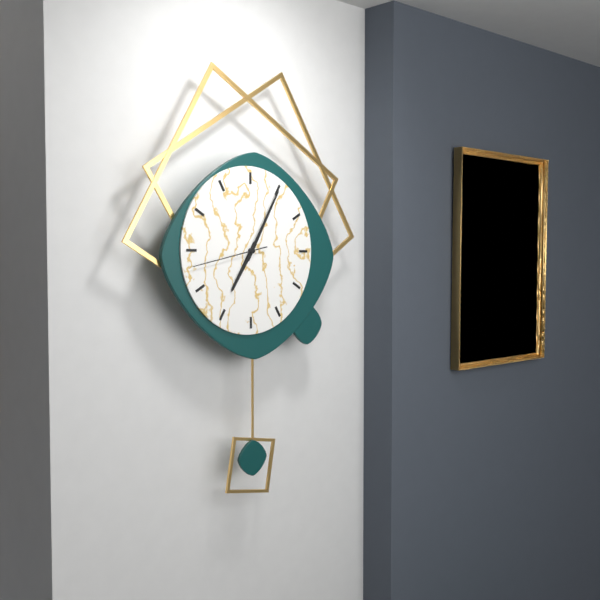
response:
h=7 m=5 s=43
